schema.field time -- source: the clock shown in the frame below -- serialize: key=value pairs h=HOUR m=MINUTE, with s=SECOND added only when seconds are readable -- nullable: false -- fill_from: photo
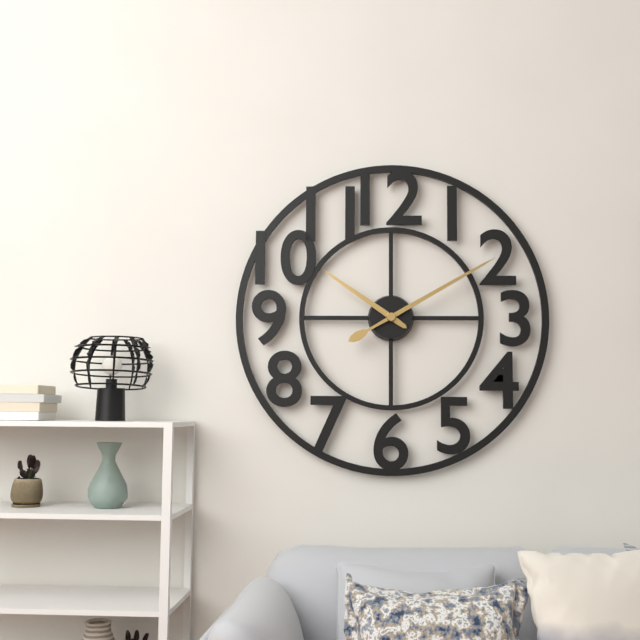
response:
h=10 m=10
